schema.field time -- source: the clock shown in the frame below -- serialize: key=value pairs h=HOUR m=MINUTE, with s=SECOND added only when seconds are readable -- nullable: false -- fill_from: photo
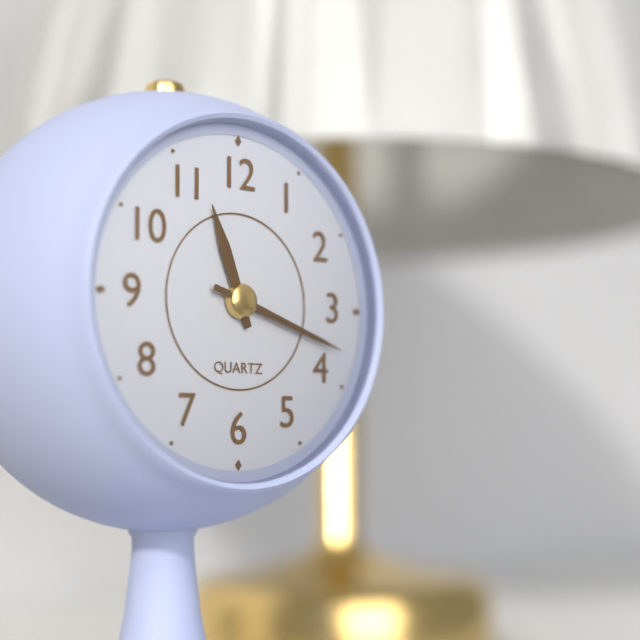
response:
h=11 m=18
